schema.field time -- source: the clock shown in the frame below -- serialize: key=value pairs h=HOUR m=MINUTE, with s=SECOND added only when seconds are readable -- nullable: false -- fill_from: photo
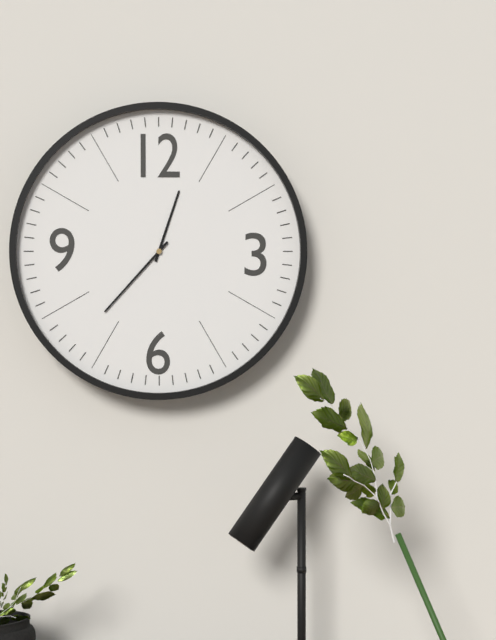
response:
h=12 m=37
